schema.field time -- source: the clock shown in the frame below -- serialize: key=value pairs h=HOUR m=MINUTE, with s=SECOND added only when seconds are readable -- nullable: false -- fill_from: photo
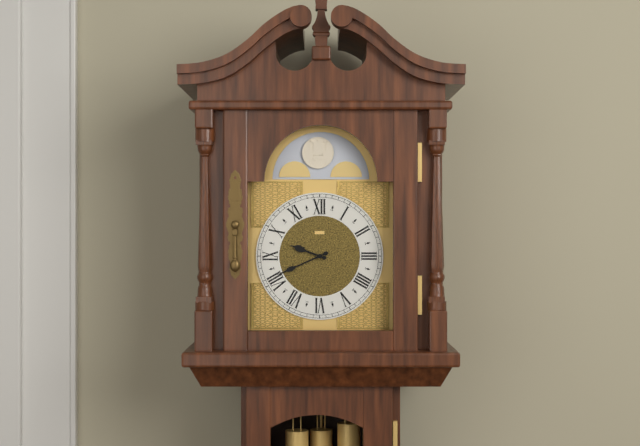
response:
h=9 m=41
